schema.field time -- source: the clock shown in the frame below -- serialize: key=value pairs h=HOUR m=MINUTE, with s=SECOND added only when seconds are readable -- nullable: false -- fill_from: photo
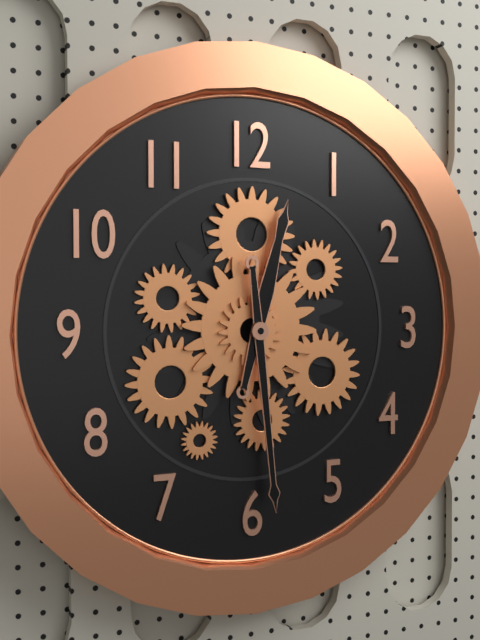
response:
h=12 m=29
